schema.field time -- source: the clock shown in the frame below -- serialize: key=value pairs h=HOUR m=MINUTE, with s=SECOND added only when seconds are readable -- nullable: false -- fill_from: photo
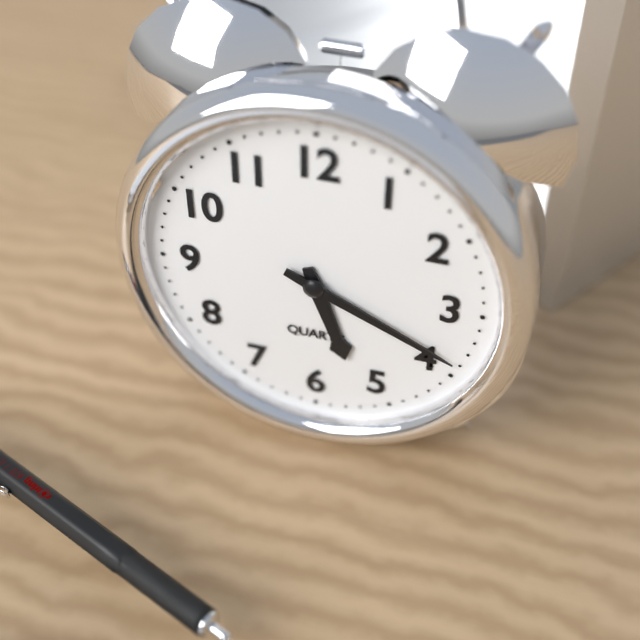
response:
h=5 m=19
